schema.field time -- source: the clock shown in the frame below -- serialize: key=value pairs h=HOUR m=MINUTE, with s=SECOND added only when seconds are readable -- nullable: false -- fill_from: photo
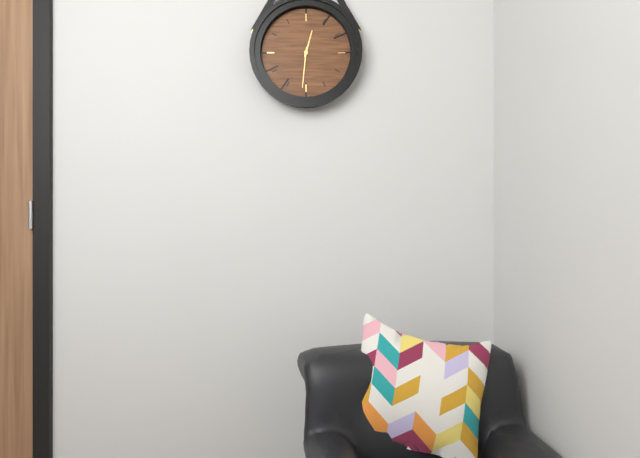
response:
h=12 m=31
